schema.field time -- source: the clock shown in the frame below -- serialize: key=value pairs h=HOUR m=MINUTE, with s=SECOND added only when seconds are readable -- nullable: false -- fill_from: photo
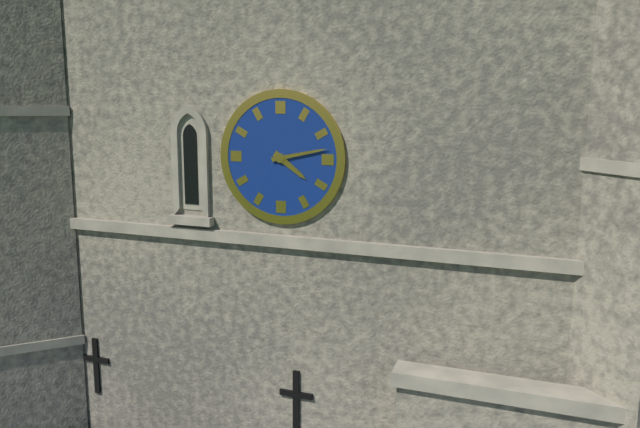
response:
h=4 m=13
